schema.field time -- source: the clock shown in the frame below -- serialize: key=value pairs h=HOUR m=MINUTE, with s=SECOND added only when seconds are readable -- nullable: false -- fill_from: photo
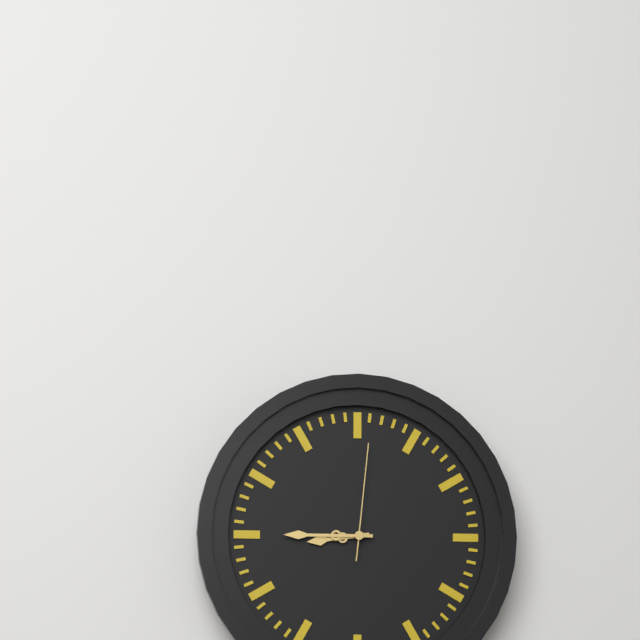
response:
h=8 m=45 s=1
